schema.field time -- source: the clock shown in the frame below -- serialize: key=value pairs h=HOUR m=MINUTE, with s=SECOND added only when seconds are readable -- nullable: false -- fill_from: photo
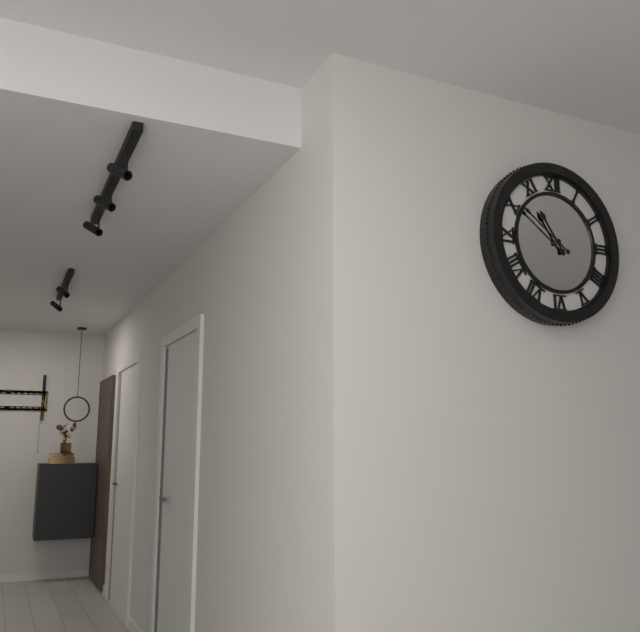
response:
h=10 m=51
